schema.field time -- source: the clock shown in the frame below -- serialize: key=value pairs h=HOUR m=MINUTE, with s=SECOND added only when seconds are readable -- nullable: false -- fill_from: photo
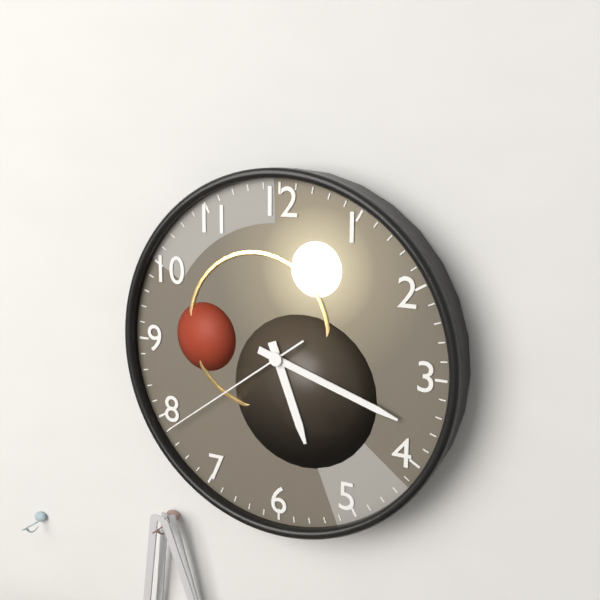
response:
h=5 m=18 s=39
